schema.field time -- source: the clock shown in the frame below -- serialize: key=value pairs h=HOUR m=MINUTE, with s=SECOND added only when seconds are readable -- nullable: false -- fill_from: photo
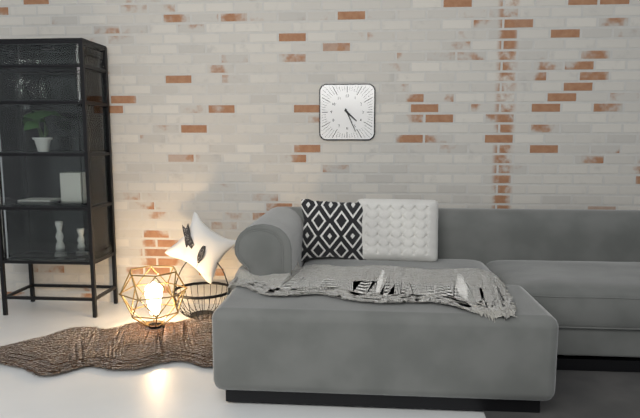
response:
h=4 m=26
